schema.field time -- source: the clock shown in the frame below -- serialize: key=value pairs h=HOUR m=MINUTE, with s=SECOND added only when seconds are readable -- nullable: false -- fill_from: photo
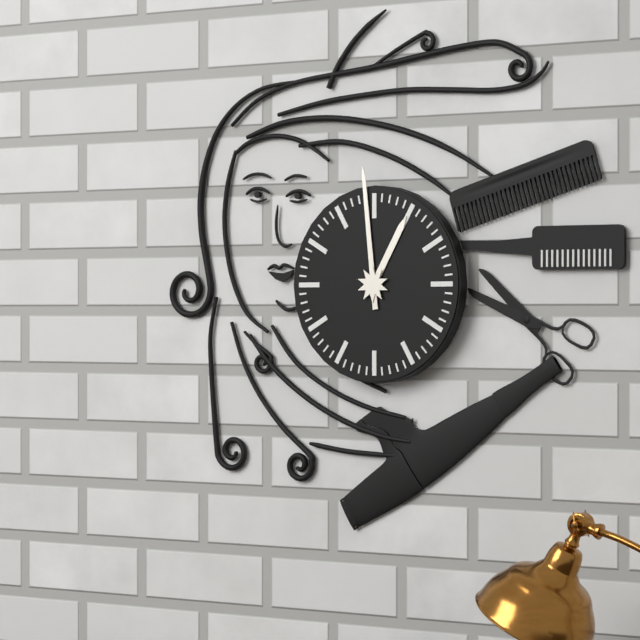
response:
h=12 m=59
